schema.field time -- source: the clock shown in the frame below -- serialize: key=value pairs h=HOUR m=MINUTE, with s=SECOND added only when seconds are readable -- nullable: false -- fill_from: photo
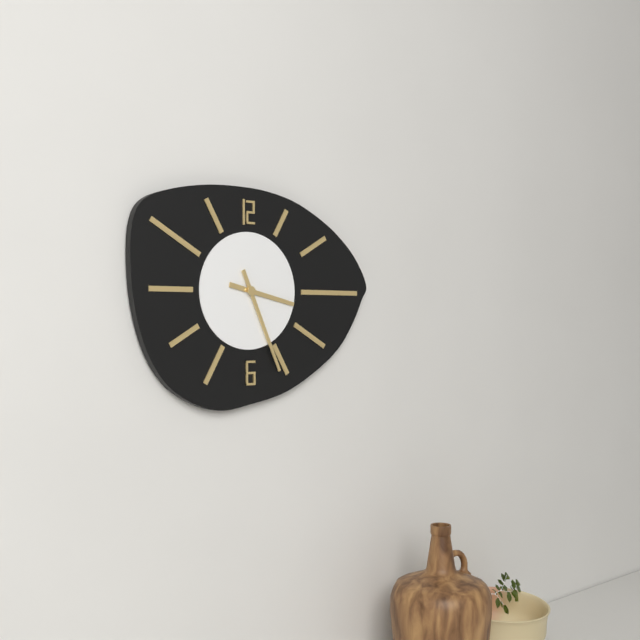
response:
h=3 m=26
